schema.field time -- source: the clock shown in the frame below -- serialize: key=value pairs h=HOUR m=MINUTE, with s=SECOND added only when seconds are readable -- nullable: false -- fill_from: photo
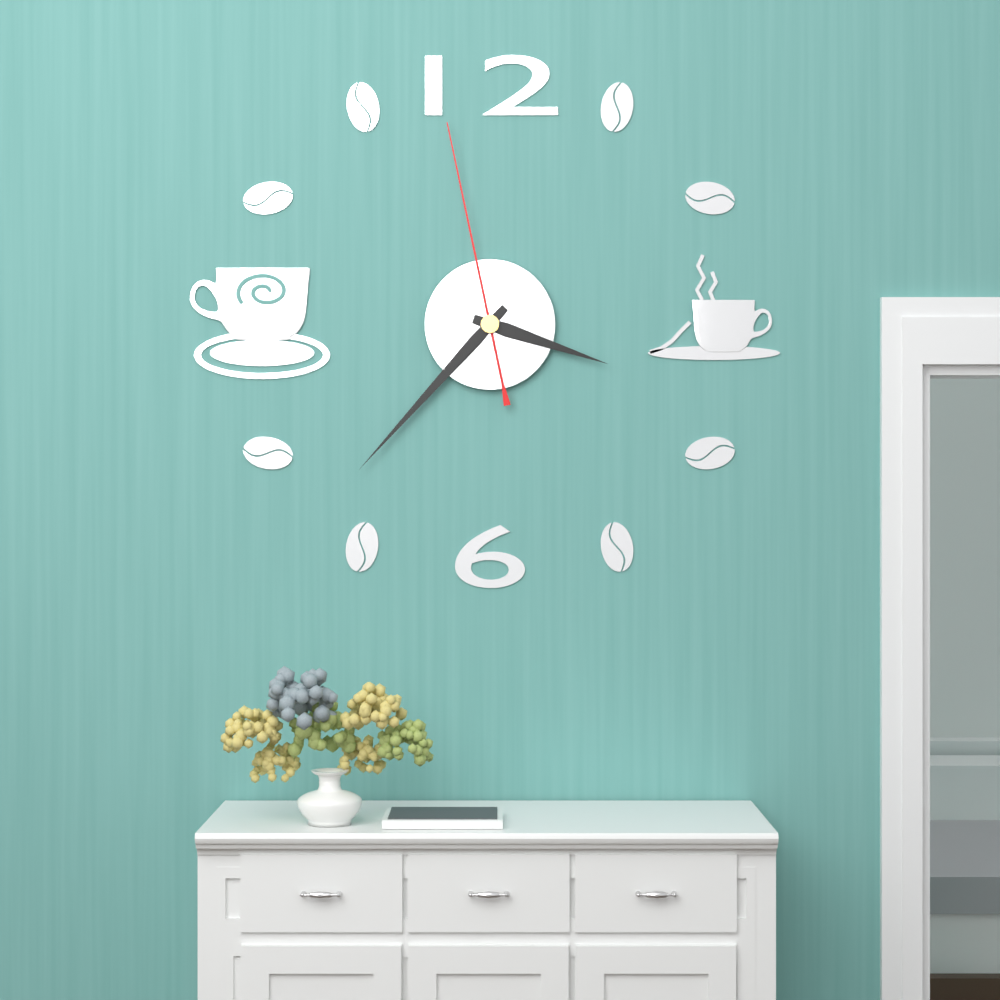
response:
h=3 m=37 s=58
